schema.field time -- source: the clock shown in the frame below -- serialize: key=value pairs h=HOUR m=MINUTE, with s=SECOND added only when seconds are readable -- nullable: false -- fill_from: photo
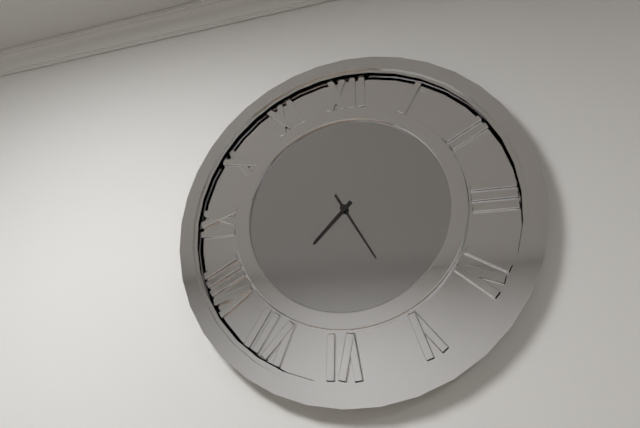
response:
h=7 m=25
